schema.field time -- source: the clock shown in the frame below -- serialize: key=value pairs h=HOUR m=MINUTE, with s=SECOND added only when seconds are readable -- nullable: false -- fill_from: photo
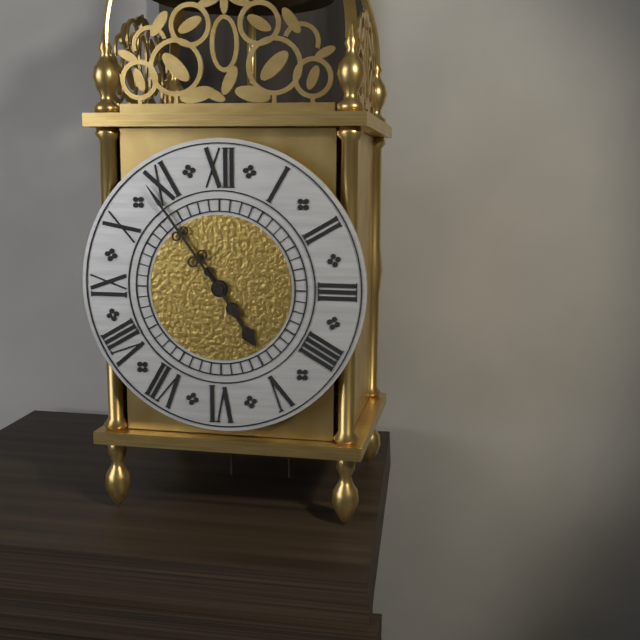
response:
h=4 m=54
